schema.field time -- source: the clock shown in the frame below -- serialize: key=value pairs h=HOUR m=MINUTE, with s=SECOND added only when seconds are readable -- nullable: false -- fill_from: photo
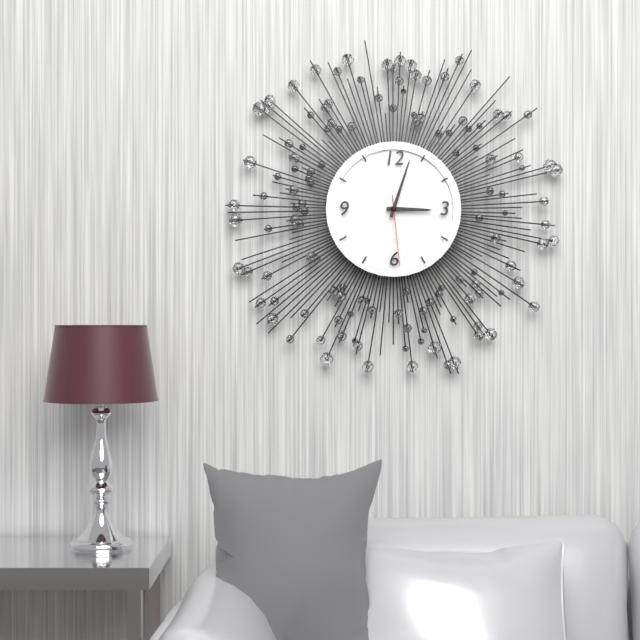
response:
h=3 m=3 s=29
